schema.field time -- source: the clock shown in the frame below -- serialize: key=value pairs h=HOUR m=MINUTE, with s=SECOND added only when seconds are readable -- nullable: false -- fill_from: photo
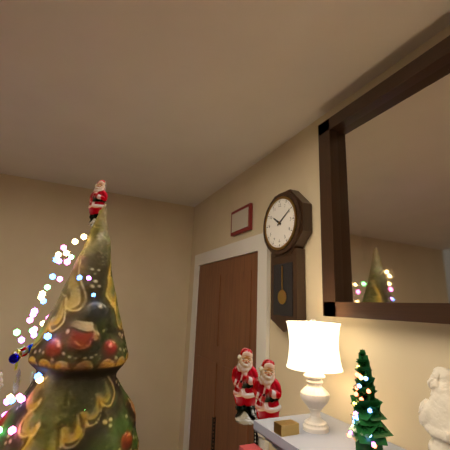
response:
h=10 m=10
